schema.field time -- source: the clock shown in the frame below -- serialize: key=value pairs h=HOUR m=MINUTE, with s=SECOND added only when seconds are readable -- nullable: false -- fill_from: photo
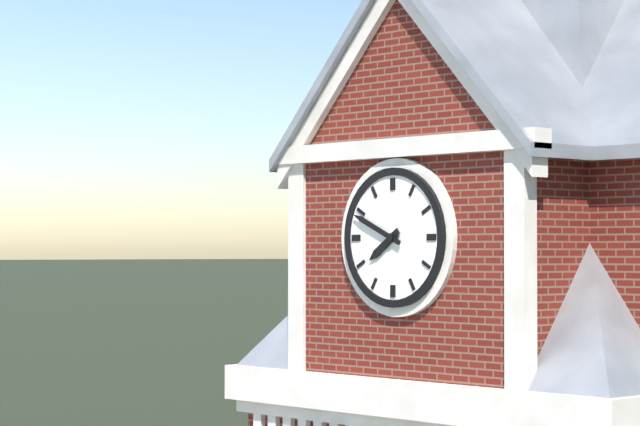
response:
h=7 m=49
